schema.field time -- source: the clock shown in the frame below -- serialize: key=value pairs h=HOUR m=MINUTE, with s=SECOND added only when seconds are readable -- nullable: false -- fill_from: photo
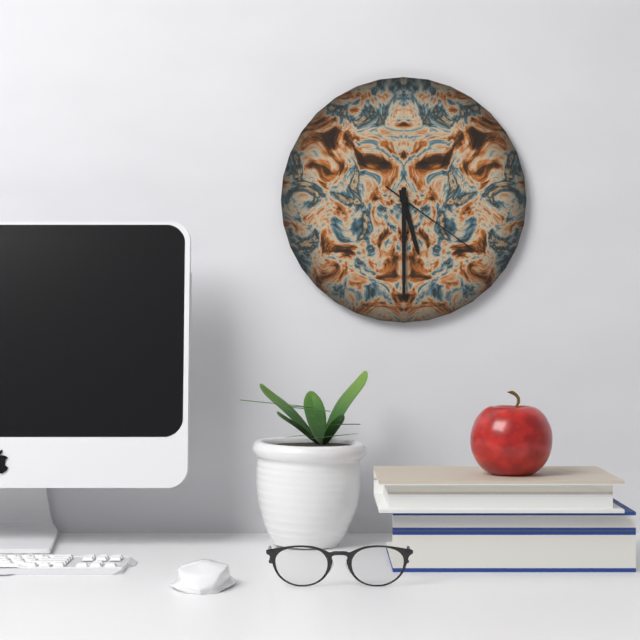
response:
h=5 m=30 s=21
